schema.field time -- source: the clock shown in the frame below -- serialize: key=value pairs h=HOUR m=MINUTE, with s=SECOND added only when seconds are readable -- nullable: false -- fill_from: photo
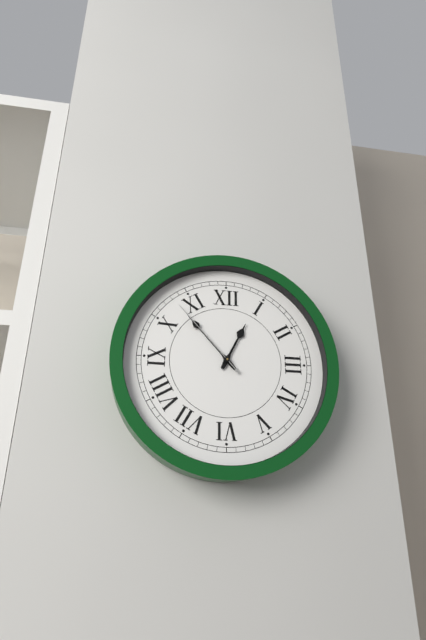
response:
h=12 m=53 s=53
